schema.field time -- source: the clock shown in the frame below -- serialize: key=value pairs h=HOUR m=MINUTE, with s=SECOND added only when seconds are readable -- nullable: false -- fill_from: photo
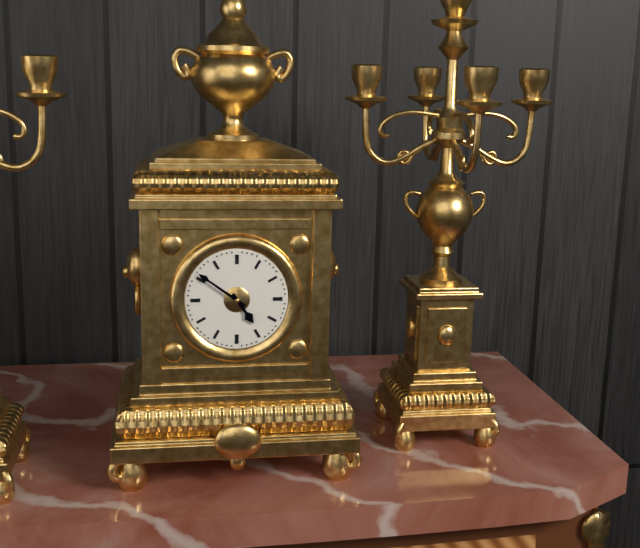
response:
h=4 m=51
